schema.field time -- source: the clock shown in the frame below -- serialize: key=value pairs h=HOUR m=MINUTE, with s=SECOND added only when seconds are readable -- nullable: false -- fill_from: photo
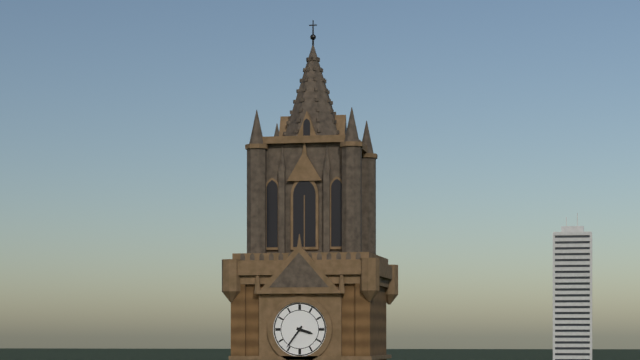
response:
h=3 m=36
